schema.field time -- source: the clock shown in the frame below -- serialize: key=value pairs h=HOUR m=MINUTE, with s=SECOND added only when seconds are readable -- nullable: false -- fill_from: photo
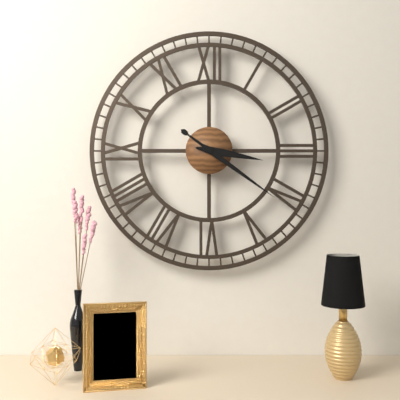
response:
h=3 m=21
